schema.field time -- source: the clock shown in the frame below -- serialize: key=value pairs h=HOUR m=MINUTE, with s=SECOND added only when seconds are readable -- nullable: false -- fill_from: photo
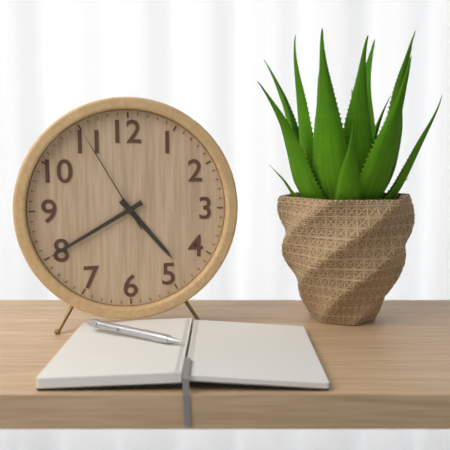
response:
h=4 m=40 s=55
